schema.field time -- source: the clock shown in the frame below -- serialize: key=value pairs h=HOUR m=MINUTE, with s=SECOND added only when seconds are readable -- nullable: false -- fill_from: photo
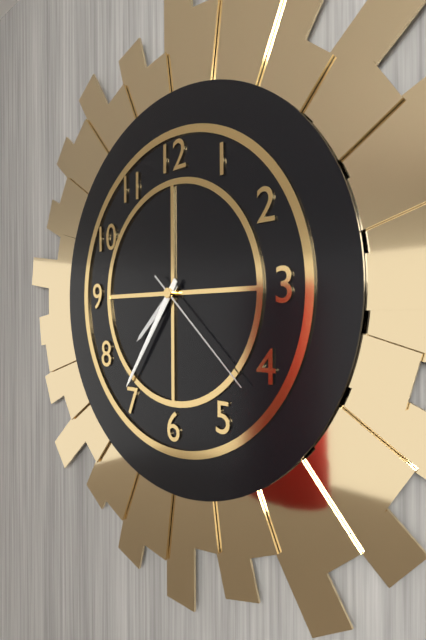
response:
h=7 m=36 s=22
